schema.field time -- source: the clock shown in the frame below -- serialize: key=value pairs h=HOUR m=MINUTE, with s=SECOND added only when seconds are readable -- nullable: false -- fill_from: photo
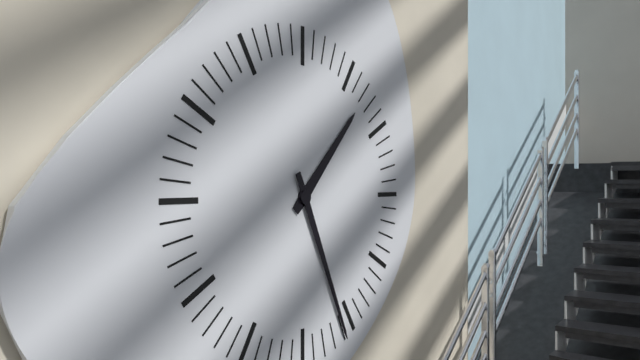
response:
h=1 m=26
